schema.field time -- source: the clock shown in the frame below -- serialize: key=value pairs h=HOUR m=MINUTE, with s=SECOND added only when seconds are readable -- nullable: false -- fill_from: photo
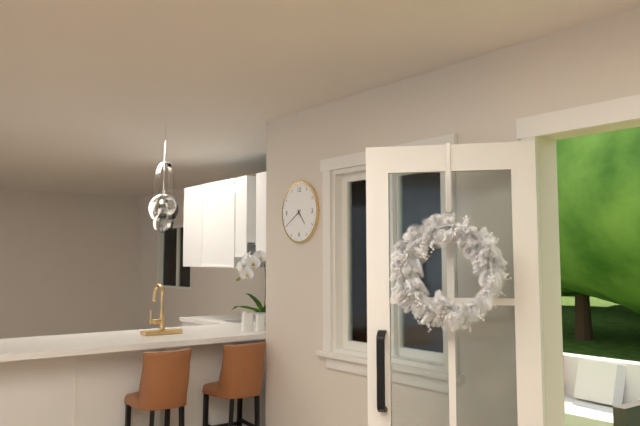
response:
h=4 m=40
